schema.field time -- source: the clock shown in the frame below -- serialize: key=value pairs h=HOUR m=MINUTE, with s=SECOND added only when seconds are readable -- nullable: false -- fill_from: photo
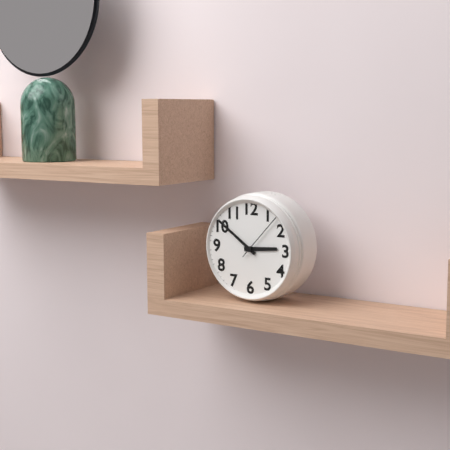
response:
h=2 m=51 s=7
